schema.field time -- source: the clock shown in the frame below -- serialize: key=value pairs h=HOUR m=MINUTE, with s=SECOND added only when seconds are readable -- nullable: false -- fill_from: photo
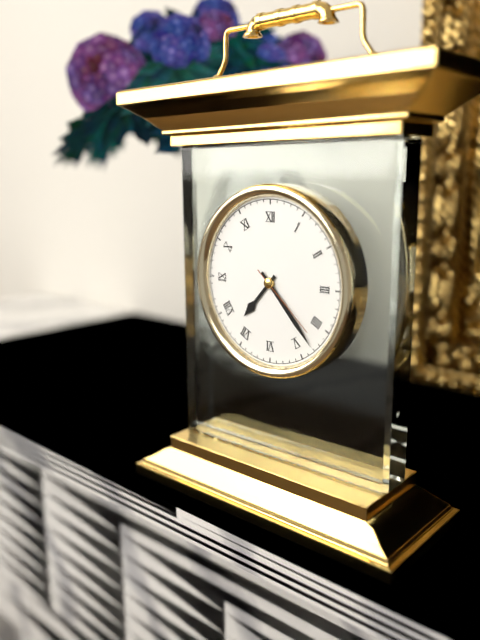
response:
h=7 m=23 s=22
